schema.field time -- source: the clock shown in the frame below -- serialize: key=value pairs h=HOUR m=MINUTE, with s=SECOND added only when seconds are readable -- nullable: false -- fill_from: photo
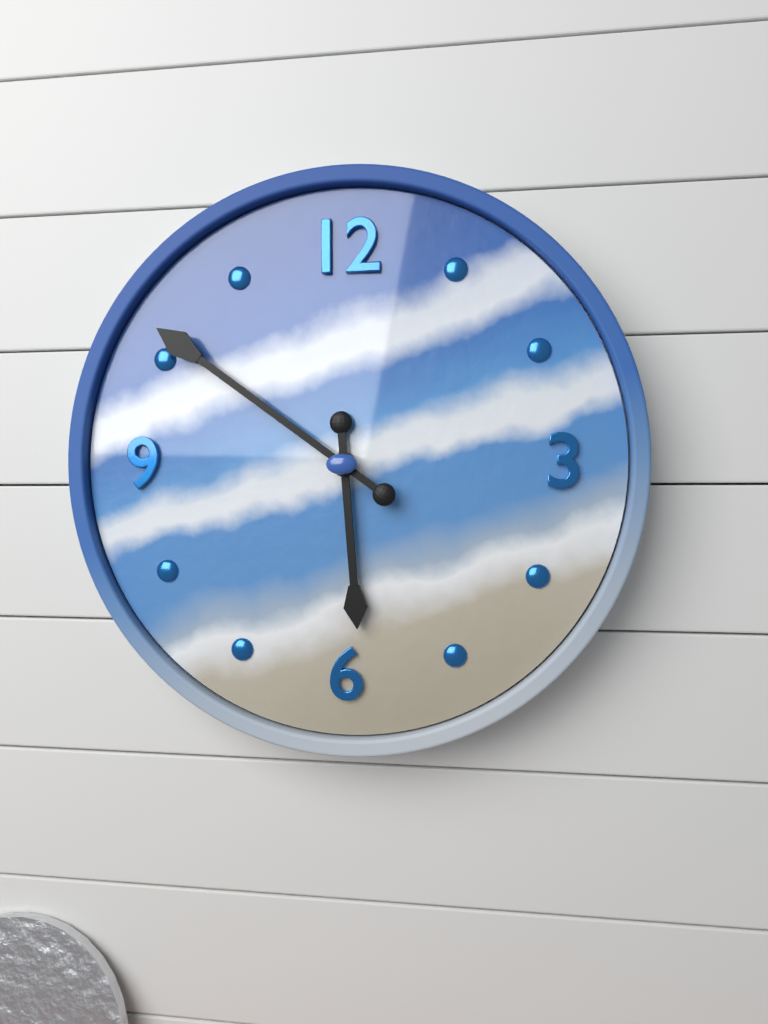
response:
h=5 m=51
